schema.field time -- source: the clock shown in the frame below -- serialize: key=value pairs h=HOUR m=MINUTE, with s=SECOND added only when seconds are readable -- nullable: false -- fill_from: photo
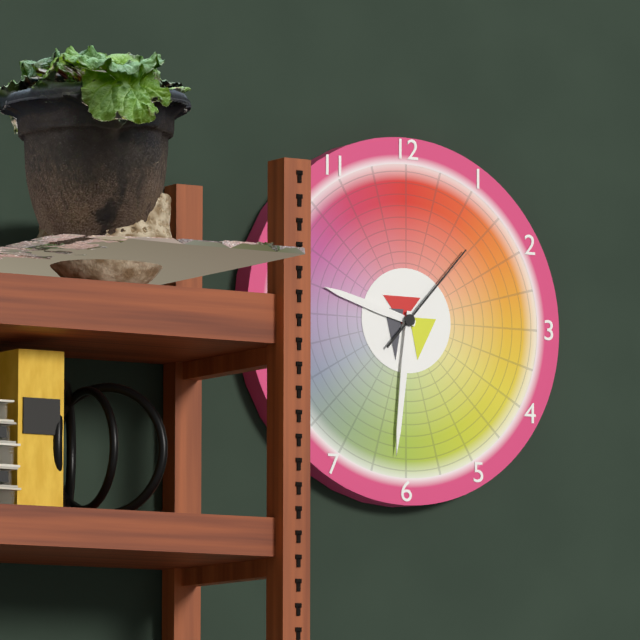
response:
h=9 m=31 s=7
